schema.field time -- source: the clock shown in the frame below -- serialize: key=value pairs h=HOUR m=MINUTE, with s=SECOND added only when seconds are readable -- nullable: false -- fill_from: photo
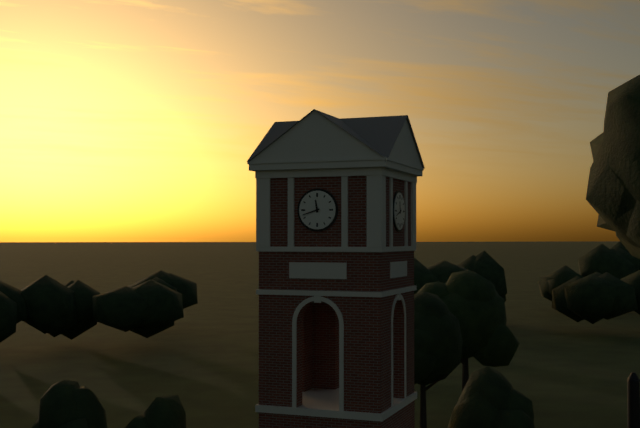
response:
h=11 m=42
